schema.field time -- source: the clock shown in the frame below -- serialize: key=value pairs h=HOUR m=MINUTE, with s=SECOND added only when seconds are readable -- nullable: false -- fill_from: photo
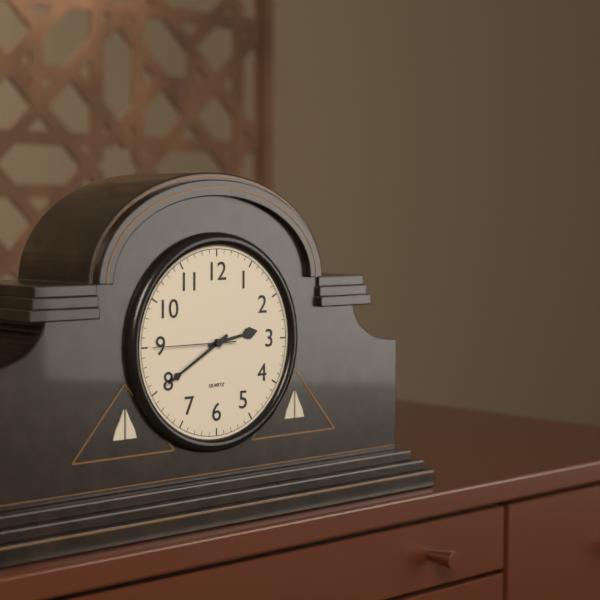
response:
h=2 m=40 s=45
